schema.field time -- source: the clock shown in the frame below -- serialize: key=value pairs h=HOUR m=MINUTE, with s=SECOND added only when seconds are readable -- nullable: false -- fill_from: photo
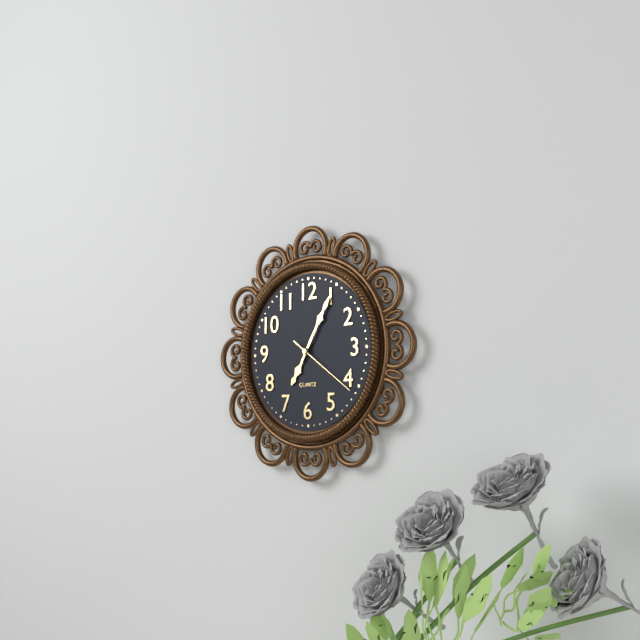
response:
h=7 m=5 s=21
